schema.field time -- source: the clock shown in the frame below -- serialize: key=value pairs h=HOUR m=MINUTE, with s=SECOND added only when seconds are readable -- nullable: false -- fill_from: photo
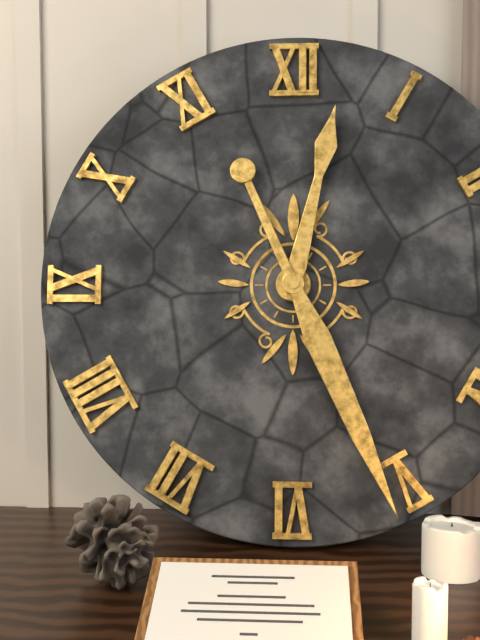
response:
h=12 m=26
